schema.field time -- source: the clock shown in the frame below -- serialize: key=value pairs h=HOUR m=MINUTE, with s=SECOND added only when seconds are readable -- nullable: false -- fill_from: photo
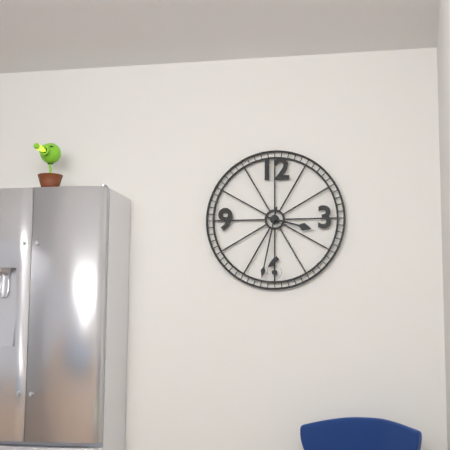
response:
h=3 m=32
